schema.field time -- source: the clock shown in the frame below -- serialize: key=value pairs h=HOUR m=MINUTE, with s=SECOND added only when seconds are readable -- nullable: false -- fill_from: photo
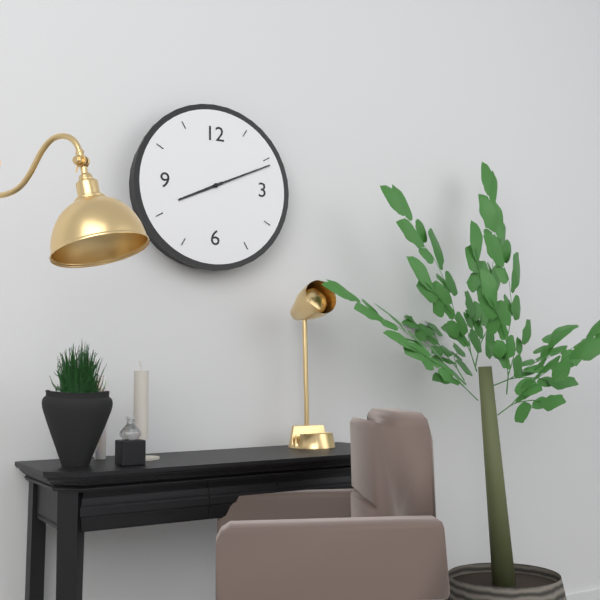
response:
h=8 m=11
